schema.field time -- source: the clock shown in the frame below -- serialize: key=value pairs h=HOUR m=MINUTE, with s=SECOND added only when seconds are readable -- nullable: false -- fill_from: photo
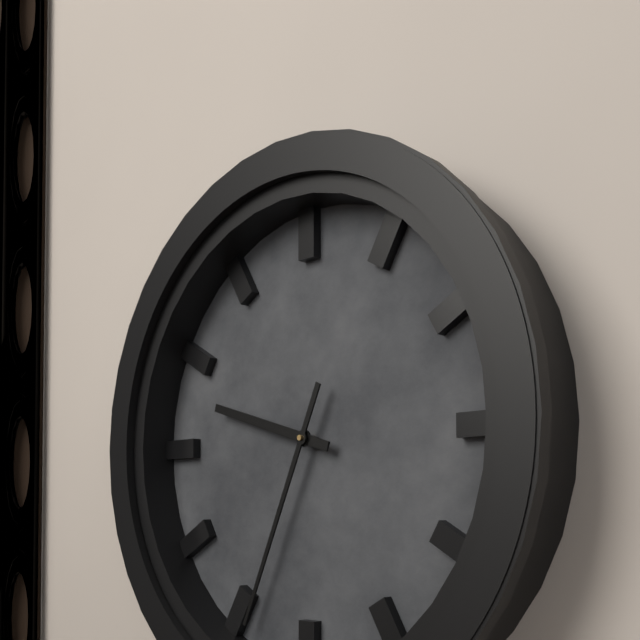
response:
h=9 m=34
